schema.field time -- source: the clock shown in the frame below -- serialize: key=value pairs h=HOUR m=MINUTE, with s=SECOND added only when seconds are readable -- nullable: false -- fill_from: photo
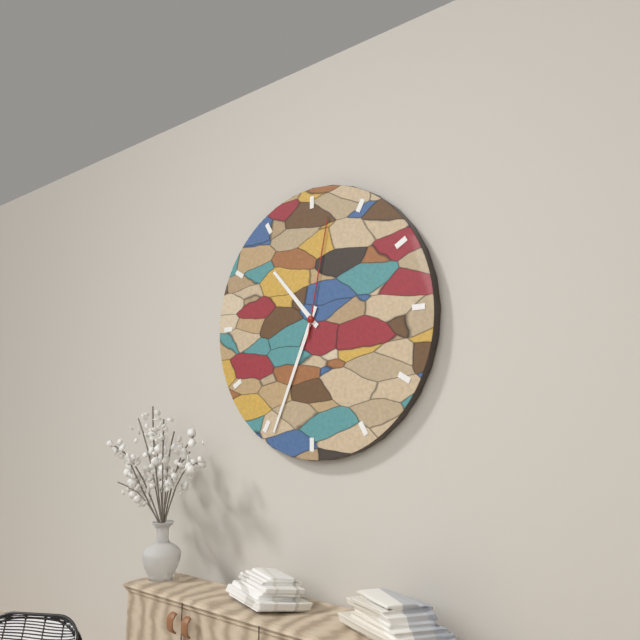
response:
h=10 m=34 s=2
